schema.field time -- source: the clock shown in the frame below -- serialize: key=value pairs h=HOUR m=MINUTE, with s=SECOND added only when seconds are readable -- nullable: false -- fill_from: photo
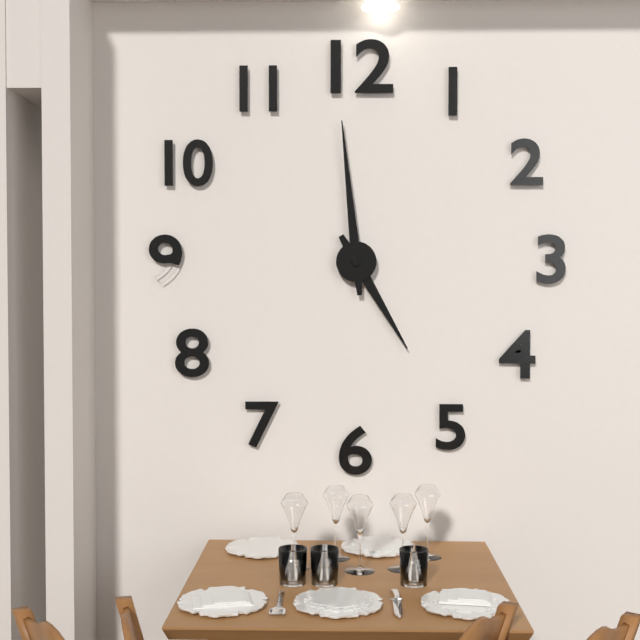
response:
h=4 m=59
